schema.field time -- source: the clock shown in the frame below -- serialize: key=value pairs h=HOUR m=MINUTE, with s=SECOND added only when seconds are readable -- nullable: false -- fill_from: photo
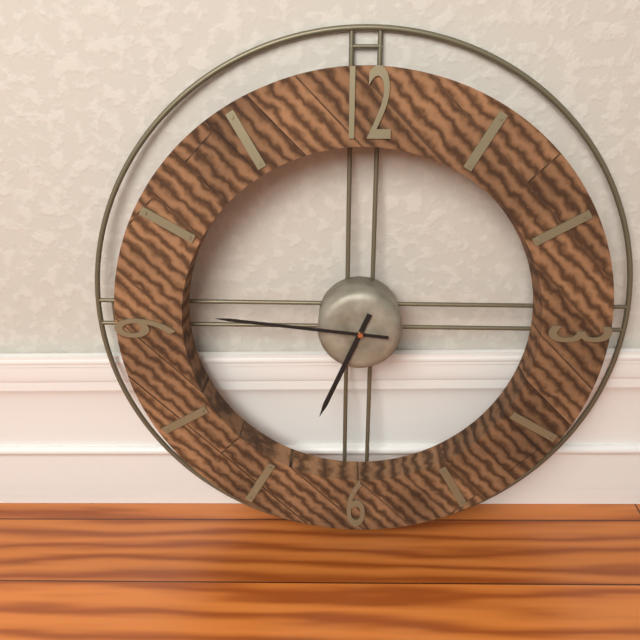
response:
h=6 m=46
